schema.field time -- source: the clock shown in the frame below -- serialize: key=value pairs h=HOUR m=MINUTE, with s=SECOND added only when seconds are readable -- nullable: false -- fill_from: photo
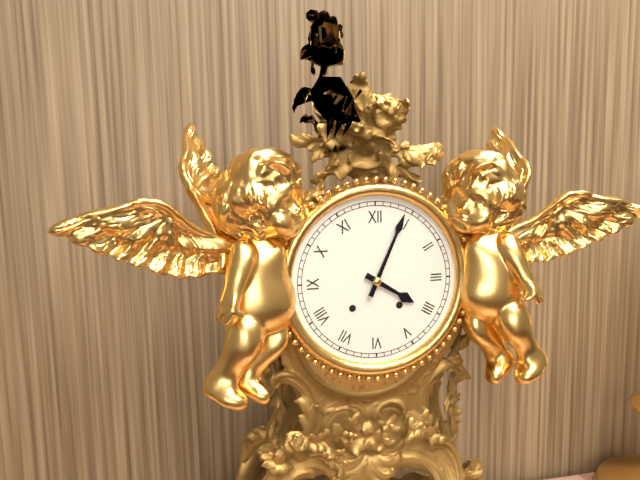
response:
h=4 m=4
